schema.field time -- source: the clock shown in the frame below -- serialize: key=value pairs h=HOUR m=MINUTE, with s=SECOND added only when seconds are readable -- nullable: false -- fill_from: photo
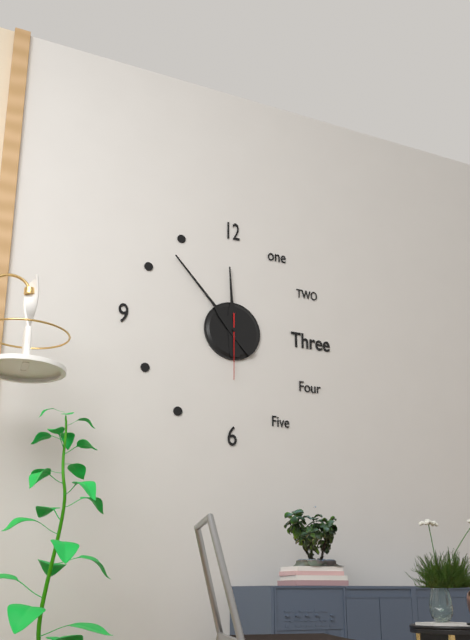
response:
h=11 m=53 s=30
